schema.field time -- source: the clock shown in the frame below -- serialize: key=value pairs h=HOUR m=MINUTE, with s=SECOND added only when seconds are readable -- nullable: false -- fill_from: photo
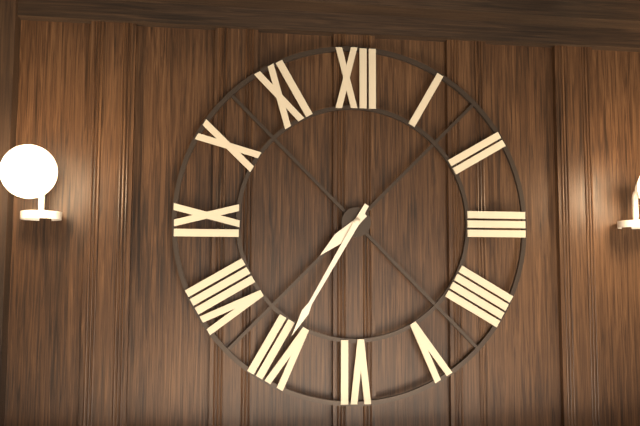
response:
h=7 m=35
